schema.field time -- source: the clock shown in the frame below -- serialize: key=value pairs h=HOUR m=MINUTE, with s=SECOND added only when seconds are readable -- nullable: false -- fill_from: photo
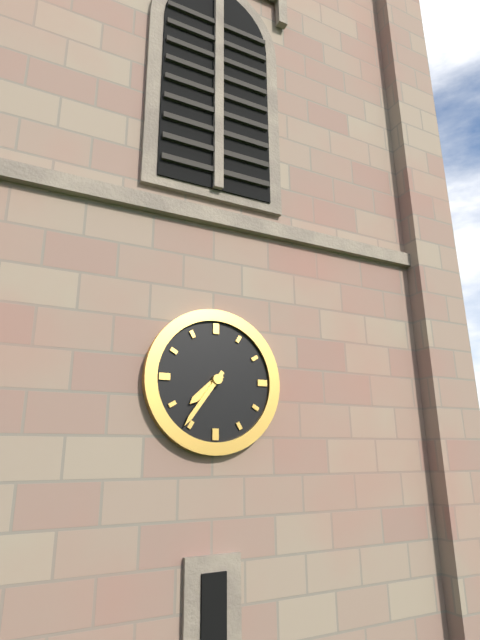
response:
h=7 m=36
